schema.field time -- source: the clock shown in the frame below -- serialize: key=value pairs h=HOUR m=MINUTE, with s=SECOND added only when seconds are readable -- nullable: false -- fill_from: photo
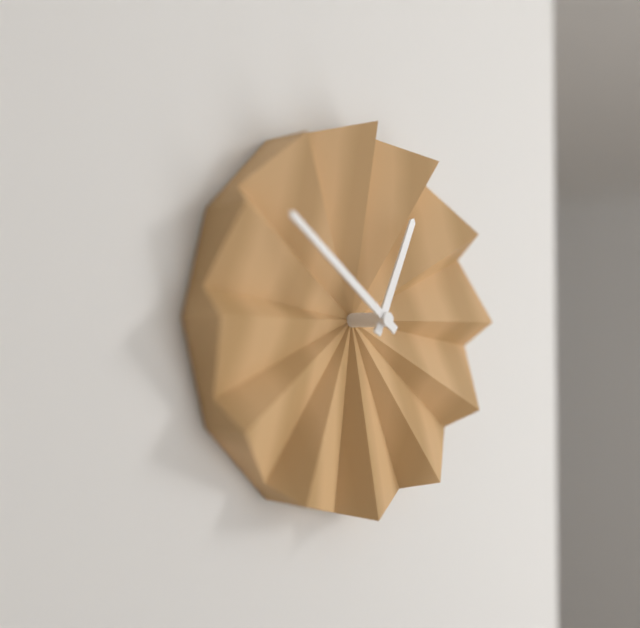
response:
h=12 m=51
